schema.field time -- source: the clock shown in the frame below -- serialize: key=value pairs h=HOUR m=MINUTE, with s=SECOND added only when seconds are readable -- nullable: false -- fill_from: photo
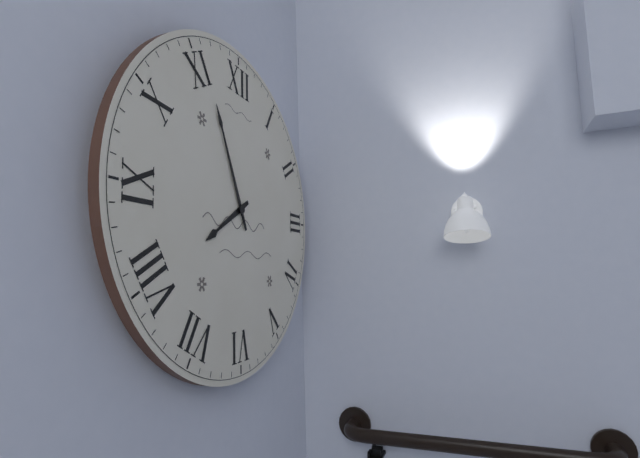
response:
h=7 m=56
